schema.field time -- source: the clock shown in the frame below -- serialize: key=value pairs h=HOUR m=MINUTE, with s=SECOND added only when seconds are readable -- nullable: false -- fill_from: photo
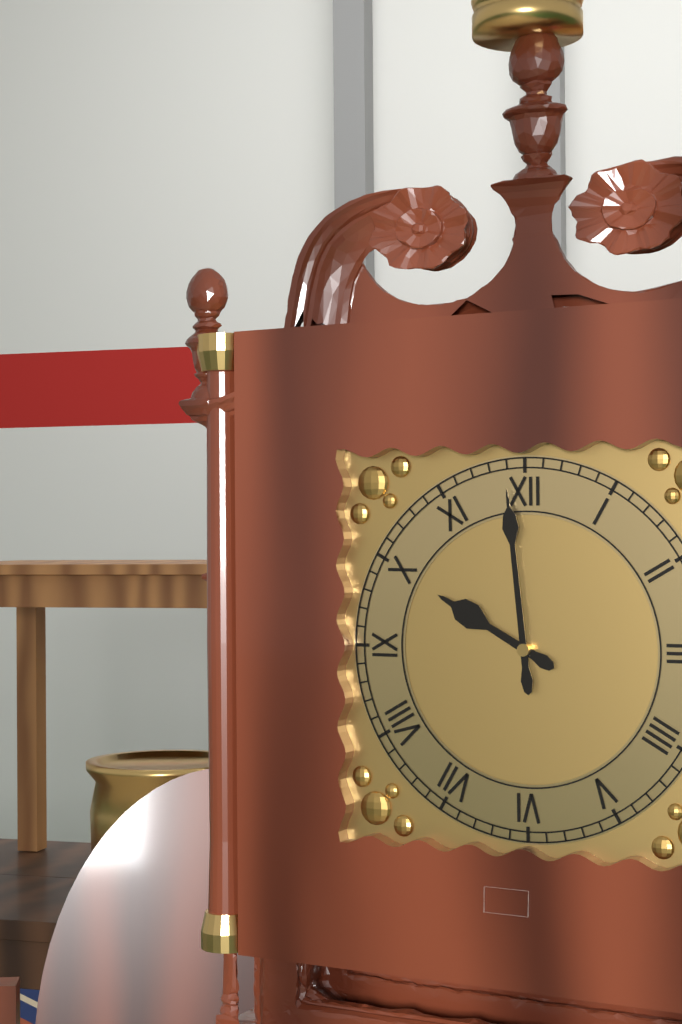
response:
h=9 m=59
